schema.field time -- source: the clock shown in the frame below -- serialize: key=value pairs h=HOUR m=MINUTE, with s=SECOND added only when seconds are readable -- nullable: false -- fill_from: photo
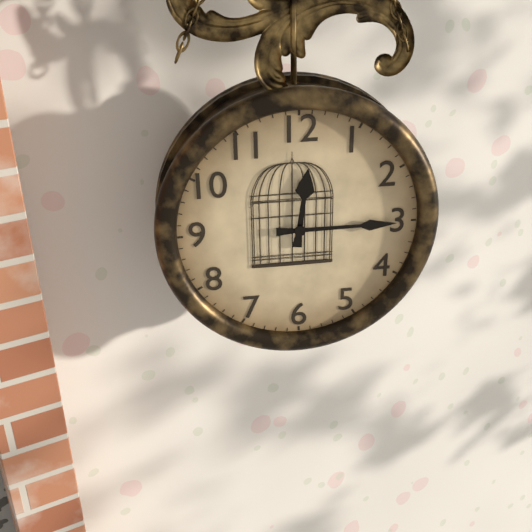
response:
h=12 m=15
